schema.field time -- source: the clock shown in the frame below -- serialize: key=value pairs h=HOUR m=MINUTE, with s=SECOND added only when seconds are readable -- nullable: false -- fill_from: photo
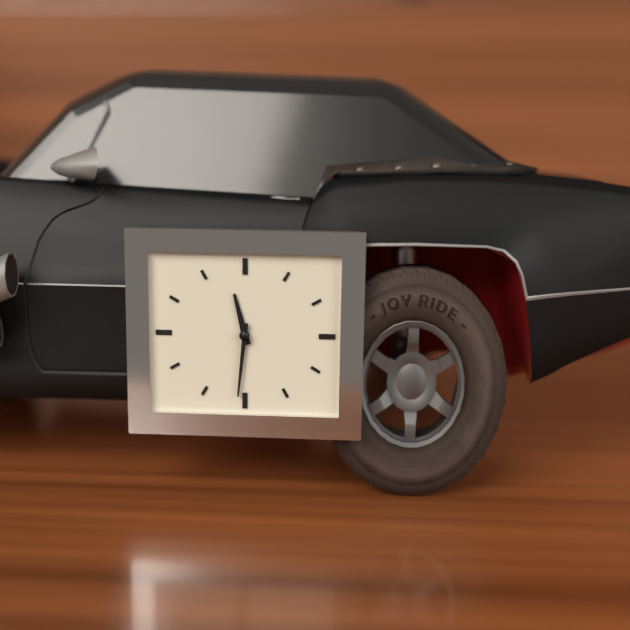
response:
h=11 m=31
